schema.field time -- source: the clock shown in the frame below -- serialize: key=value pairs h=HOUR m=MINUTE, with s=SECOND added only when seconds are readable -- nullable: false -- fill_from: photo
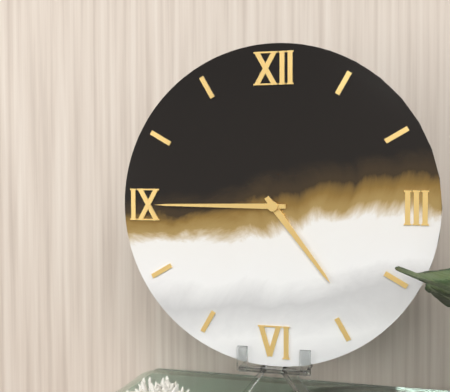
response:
h=4 m=45
